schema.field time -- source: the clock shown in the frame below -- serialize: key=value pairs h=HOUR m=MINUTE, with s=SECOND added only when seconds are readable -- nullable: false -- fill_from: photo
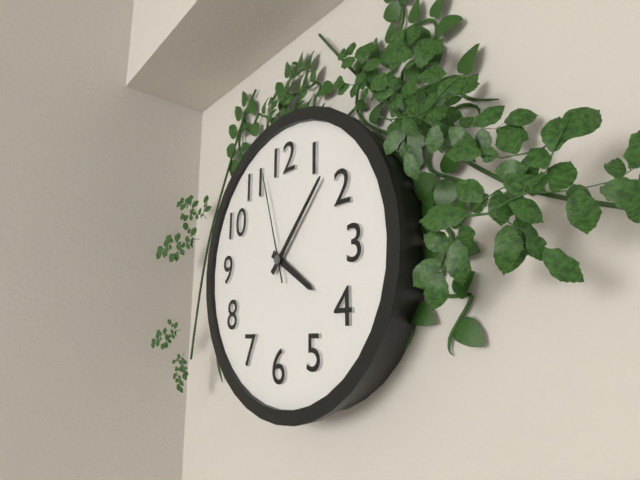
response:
h=4 m=7 s=57
